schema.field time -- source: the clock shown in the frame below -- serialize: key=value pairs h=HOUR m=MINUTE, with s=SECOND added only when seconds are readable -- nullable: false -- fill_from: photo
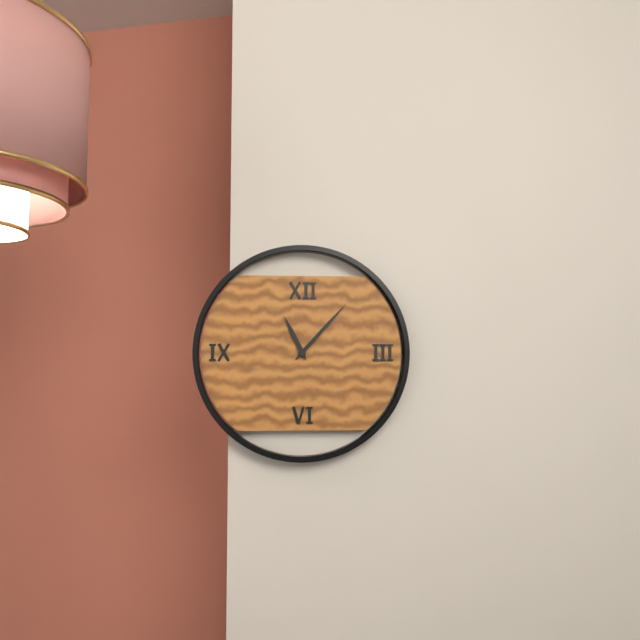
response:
h=11 m=7
